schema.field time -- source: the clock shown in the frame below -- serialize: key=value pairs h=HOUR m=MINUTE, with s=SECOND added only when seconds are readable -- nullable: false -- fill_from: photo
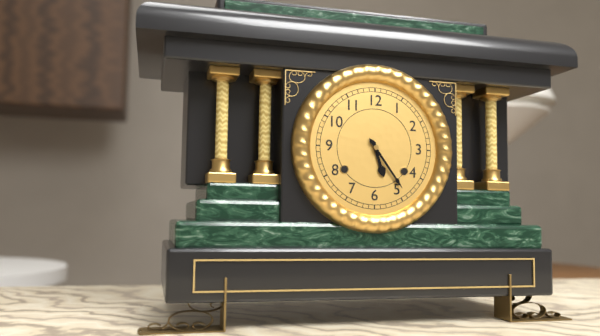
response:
h=5 m=24
